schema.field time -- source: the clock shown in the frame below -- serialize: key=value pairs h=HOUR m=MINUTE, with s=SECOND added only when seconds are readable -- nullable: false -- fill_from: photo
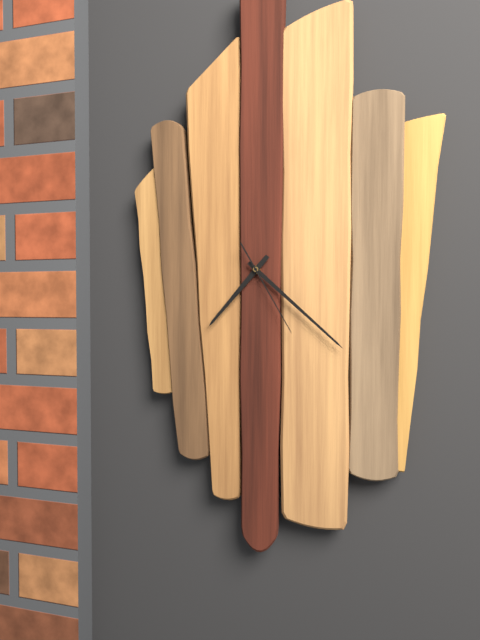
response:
h=7 m=22 s=25
